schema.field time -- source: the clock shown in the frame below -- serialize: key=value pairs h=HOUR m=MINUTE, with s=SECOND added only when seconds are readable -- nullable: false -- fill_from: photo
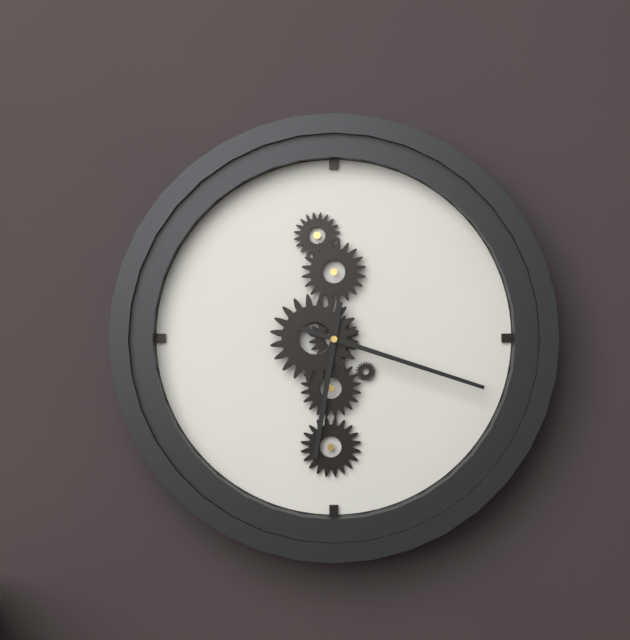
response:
h=6 m=18
